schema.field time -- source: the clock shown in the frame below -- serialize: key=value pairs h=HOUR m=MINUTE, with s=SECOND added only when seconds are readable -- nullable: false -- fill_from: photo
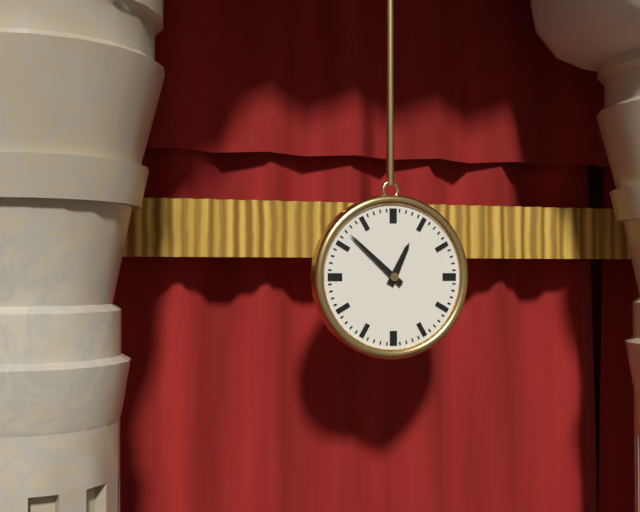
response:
h=12 m=52
